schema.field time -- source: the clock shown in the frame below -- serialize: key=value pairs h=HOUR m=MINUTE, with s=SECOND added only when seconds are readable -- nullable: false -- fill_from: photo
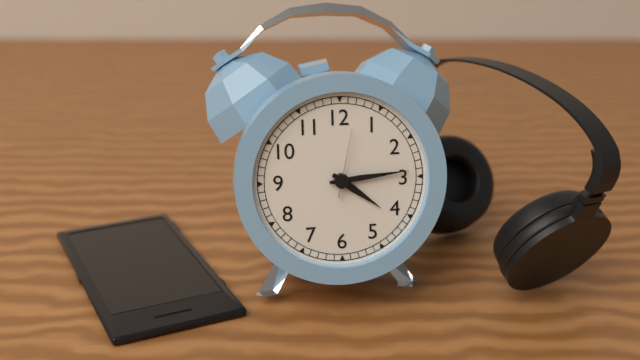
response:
h=4 m=14 s=2
